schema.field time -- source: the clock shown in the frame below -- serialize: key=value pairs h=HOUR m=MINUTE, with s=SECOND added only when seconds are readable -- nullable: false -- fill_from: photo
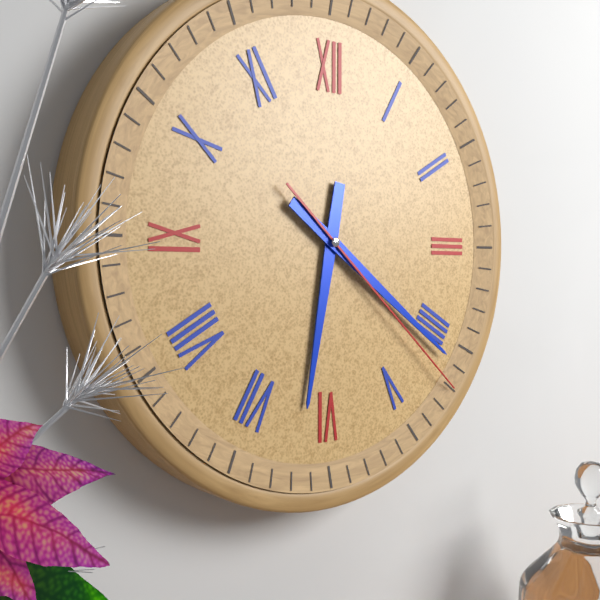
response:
h=6 m=21 s=22
